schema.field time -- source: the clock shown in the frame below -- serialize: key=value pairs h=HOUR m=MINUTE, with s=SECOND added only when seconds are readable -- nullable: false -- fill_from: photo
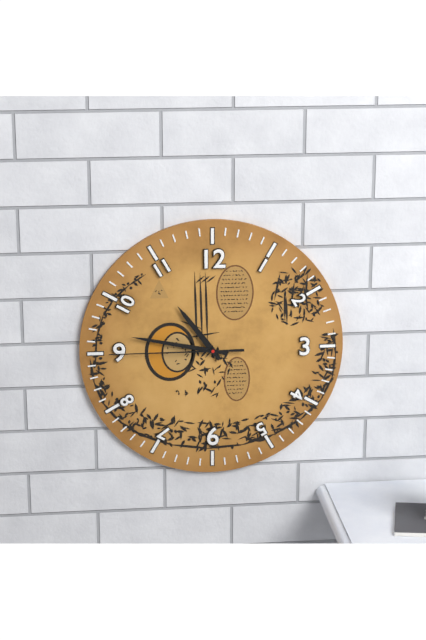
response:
h=10 m=47 s=45
